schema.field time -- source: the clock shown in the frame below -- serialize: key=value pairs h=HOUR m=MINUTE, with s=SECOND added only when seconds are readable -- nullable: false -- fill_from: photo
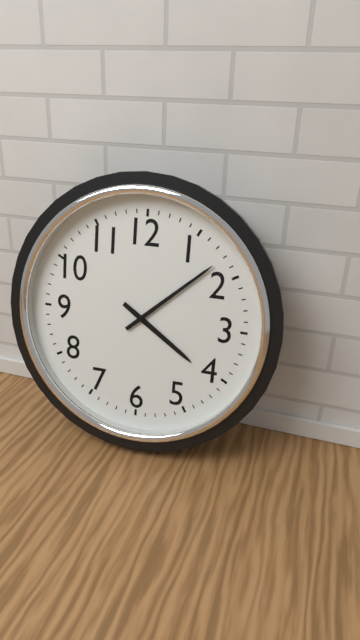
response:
h=4 m=8
